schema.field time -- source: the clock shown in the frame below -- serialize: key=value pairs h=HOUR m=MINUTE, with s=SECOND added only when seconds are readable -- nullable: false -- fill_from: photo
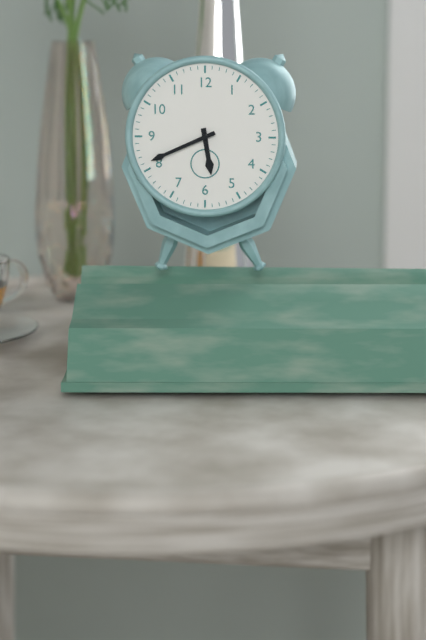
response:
h=5 m=41
